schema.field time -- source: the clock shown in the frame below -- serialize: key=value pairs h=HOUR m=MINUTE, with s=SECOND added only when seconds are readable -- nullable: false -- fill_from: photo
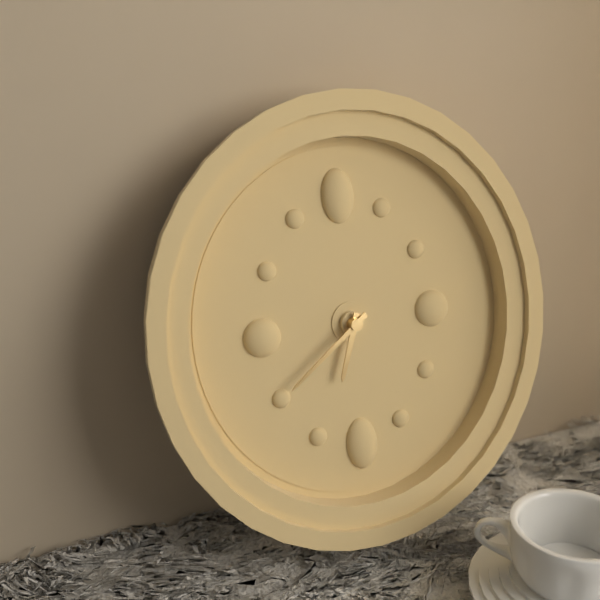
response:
h=6 m=39
